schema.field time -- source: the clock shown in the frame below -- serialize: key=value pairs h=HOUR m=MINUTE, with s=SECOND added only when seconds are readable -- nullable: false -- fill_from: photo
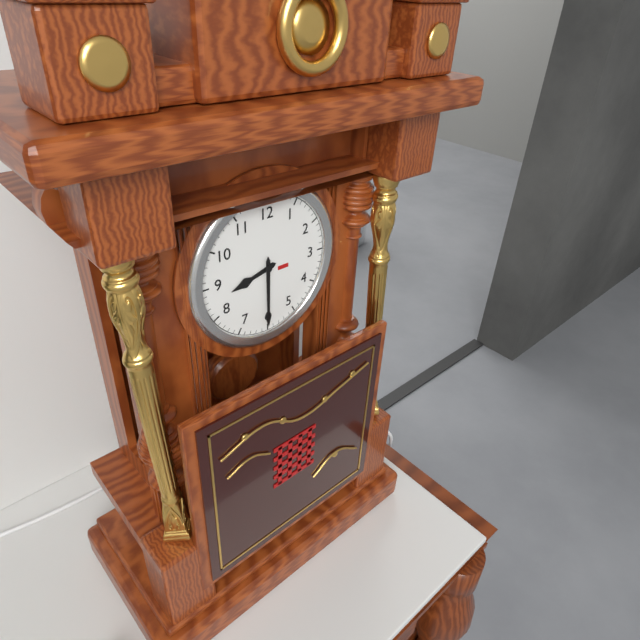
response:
h=8 m=30
